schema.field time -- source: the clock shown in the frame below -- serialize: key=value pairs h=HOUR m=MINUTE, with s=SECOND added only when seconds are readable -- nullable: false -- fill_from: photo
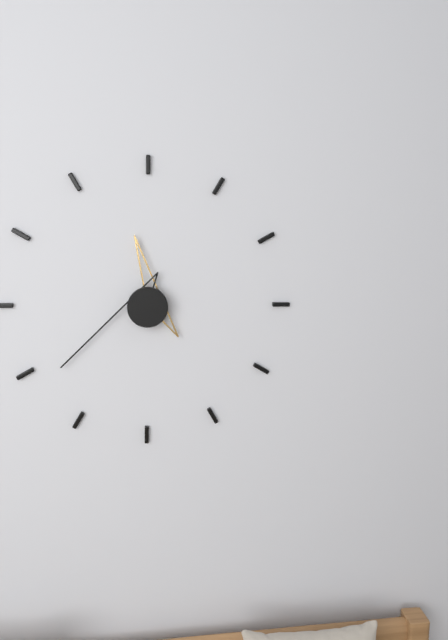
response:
h=11 m=39
